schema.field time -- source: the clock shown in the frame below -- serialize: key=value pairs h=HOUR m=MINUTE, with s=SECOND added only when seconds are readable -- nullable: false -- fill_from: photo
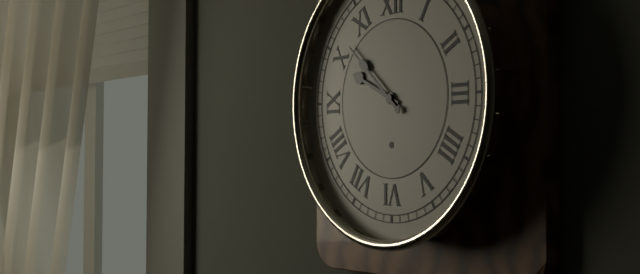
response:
h=9 m=52
